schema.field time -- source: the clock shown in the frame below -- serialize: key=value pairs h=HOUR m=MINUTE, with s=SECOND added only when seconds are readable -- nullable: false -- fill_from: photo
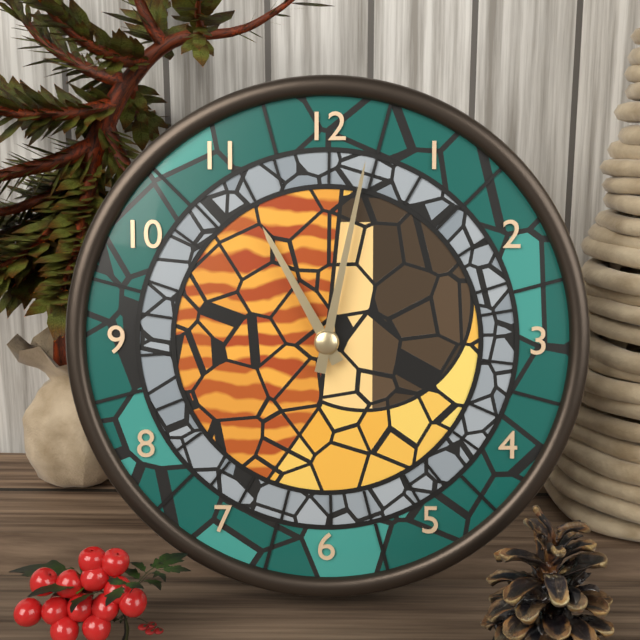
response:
h=11 m=2
